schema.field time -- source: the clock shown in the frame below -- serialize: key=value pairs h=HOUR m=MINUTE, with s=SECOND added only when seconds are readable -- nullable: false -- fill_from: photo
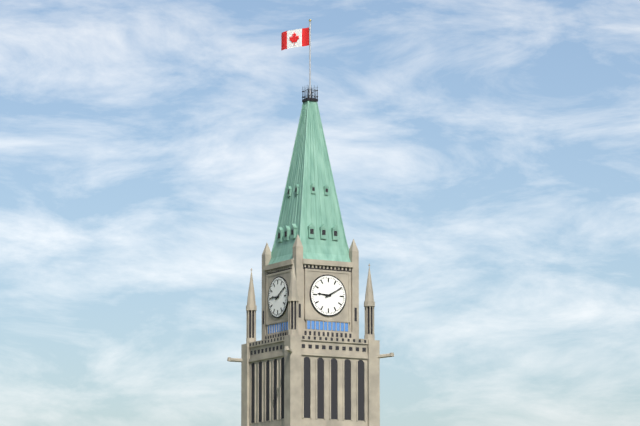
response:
h=9 m=10
